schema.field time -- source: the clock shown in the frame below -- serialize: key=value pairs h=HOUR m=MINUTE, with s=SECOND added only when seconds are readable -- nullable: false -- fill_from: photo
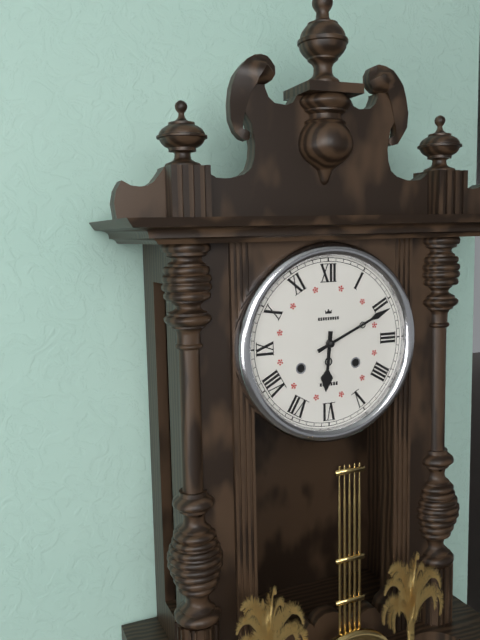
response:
h=6 m=11
